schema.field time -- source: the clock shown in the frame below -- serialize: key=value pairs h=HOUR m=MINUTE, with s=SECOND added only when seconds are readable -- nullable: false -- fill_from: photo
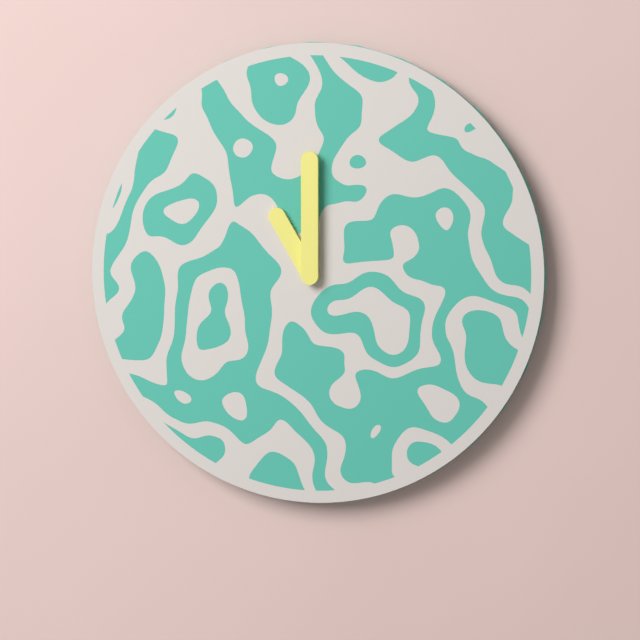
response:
h=11 m=0
